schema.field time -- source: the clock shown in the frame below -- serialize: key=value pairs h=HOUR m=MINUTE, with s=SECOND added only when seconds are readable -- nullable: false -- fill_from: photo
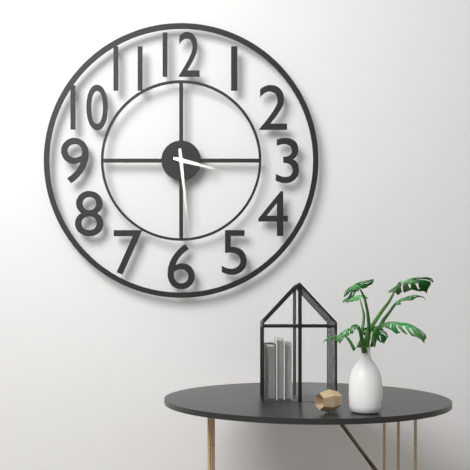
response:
h=3 m=29
